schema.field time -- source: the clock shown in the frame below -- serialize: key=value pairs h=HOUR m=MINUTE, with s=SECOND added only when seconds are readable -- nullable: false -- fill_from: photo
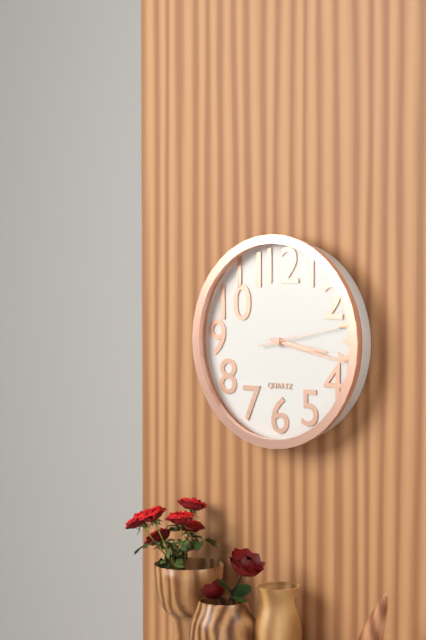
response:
h=3 m=17 s=13
